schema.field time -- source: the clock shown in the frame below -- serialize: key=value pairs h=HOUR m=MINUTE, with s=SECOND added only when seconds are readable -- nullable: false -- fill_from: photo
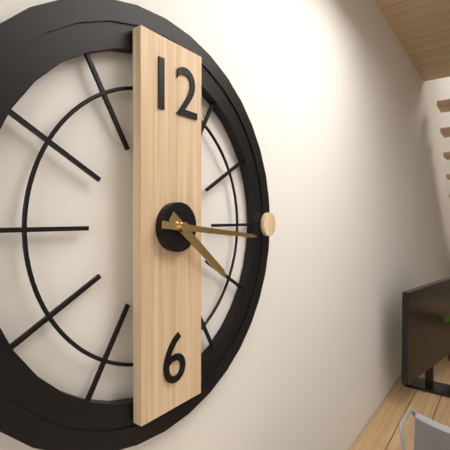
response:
h=4 m=16
